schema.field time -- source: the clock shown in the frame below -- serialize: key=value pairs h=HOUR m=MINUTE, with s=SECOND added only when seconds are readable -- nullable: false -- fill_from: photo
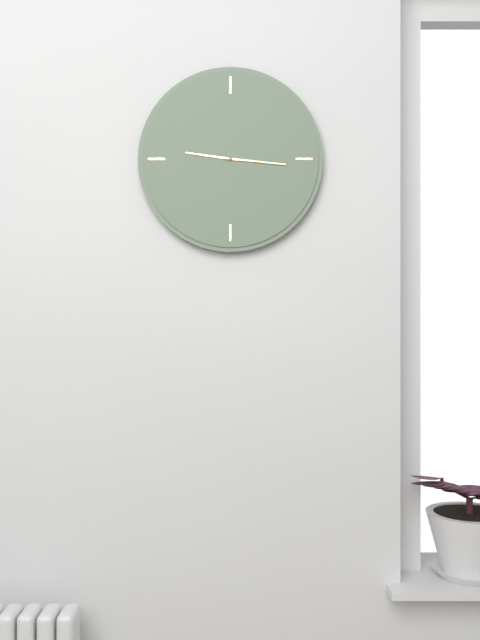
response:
h=9 m=16
